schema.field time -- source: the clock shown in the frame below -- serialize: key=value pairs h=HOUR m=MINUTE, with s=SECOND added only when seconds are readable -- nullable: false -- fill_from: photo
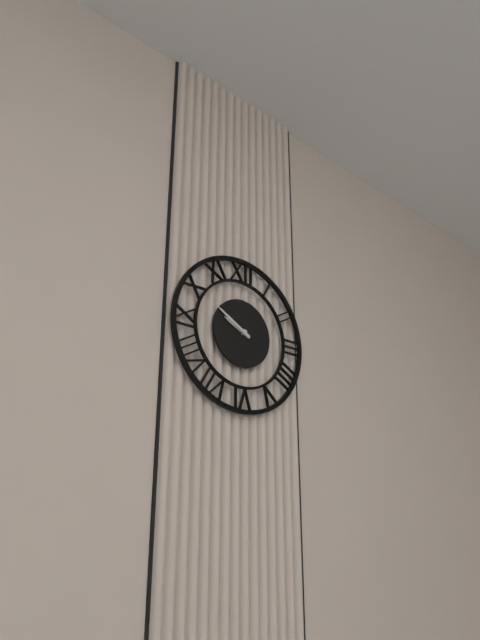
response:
h=9 m=50
